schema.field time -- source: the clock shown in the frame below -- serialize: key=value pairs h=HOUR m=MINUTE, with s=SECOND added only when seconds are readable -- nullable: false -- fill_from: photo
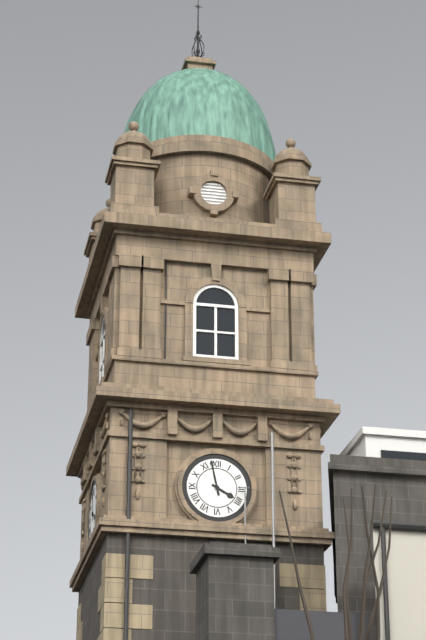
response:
h=3 m=58
